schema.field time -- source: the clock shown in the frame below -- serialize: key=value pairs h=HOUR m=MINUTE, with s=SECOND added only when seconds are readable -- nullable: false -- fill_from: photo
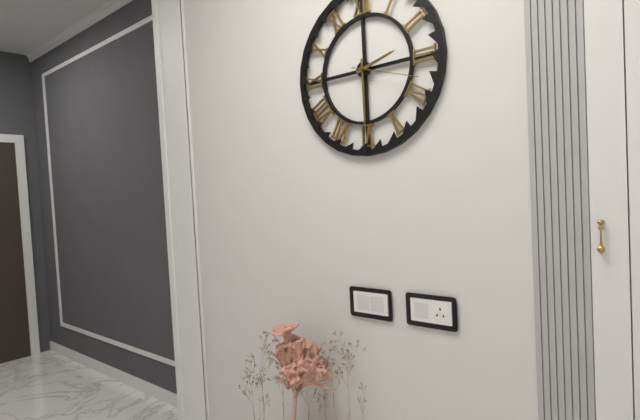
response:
h=2 m=30 s=18
